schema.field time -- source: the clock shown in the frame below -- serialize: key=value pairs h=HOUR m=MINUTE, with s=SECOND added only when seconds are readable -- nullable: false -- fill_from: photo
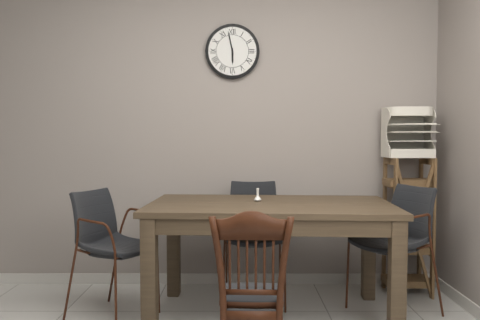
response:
h=5 m=58
